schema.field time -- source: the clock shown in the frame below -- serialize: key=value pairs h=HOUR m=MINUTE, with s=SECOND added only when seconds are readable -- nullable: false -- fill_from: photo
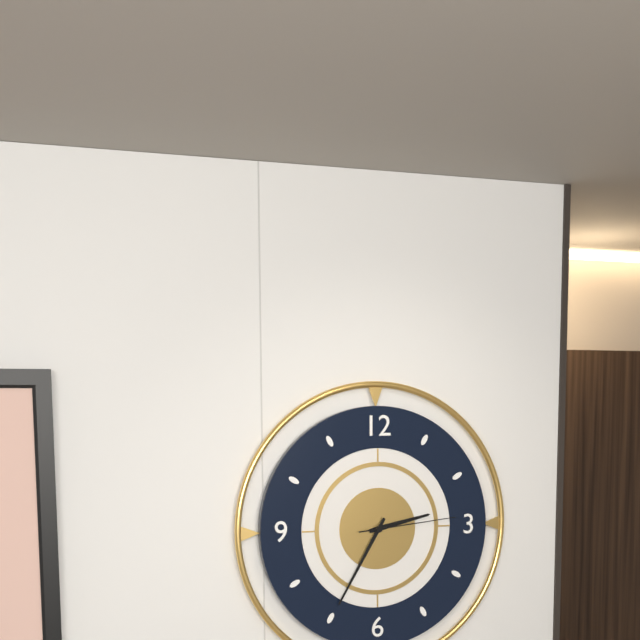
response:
h=2 m=35 s=14
